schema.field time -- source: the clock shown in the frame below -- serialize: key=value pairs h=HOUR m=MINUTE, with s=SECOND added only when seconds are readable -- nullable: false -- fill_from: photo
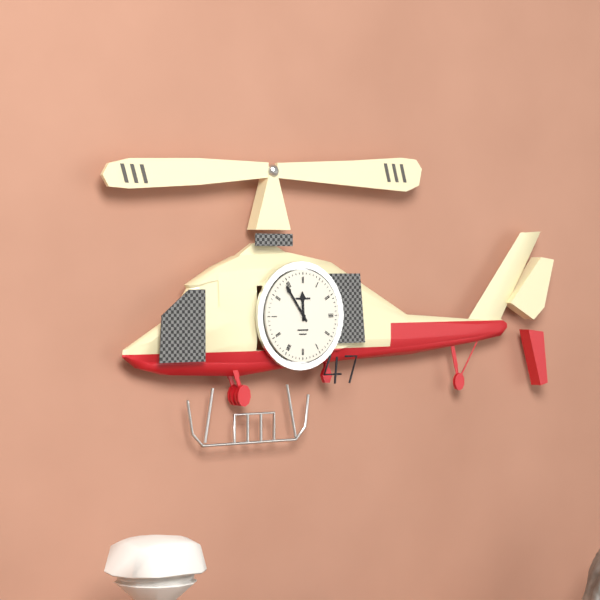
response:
h=11 m=54
